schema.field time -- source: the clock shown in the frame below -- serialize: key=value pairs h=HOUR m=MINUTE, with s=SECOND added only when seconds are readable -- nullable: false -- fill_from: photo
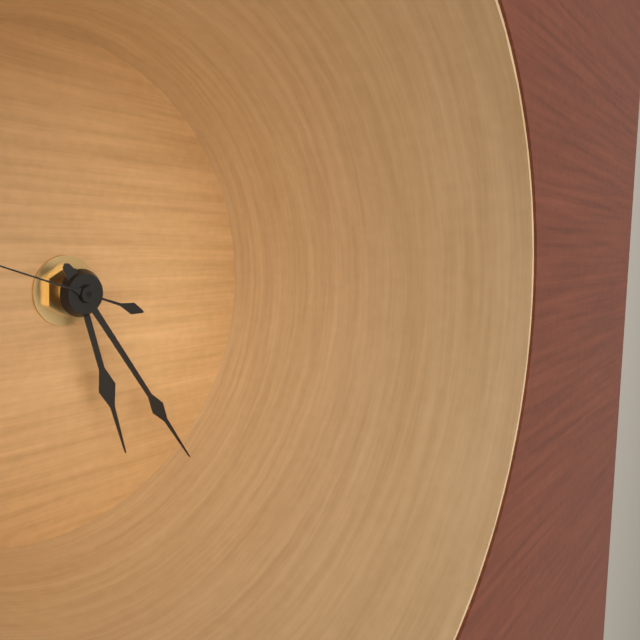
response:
h=5 m=24
